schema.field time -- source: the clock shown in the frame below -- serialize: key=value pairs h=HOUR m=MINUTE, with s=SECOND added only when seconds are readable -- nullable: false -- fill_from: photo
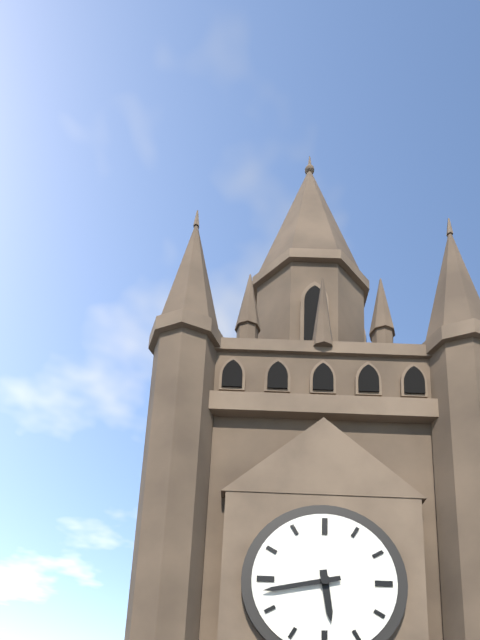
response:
h=5 m=43
